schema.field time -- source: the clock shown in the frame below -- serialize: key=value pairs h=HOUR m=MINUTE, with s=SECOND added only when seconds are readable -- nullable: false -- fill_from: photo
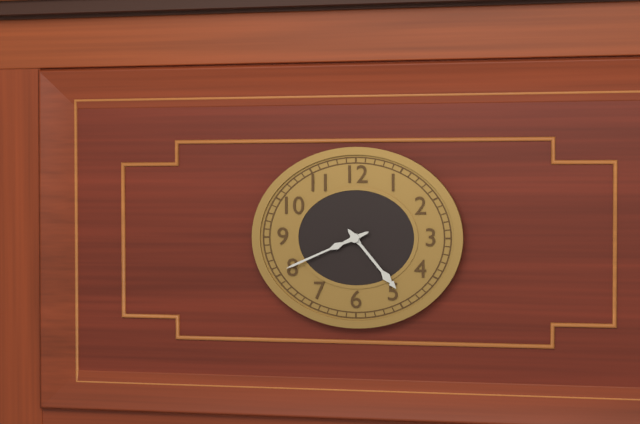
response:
h=4 m=41
